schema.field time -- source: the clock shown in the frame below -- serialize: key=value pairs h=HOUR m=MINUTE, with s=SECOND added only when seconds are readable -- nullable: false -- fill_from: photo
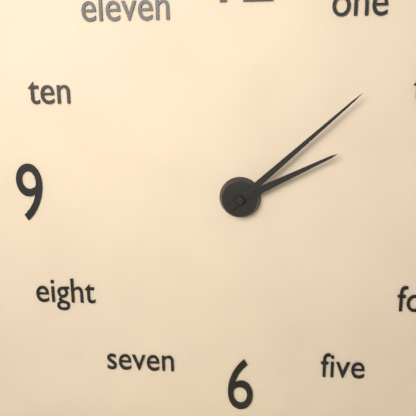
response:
h=2 m=8
